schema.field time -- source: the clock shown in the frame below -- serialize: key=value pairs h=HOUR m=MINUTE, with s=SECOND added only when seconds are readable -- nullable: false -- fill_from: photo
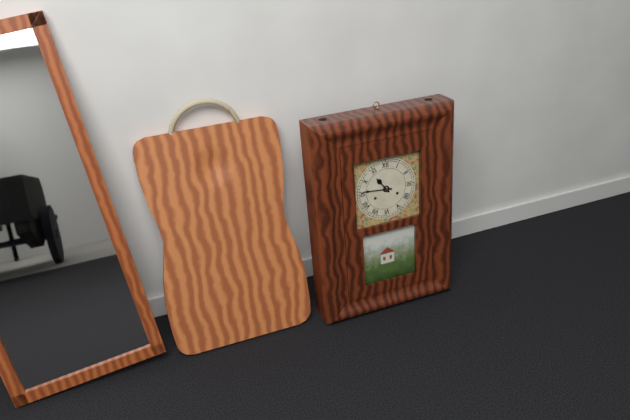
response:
h=10 m=46
